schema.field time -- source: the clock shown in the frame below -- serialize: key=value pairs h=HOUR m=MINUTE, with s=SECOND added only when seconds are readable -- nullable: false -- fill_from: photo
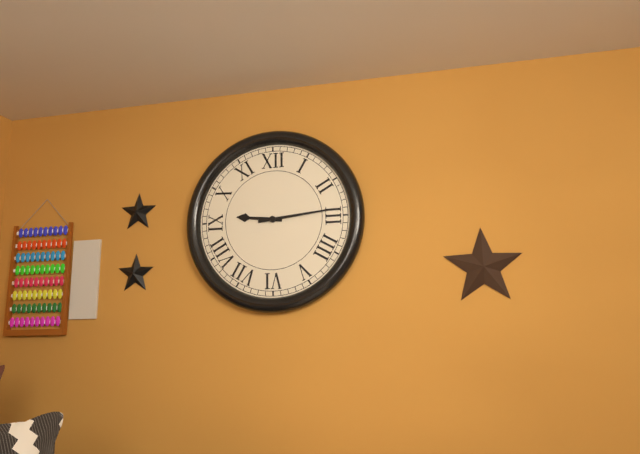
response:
h=9 m=14
